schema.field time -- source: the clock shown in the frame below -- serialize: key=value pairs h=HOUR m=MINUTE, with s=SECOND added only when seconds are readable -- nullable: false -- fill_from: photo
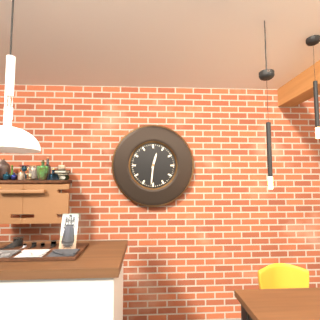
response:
h=12 m=31
